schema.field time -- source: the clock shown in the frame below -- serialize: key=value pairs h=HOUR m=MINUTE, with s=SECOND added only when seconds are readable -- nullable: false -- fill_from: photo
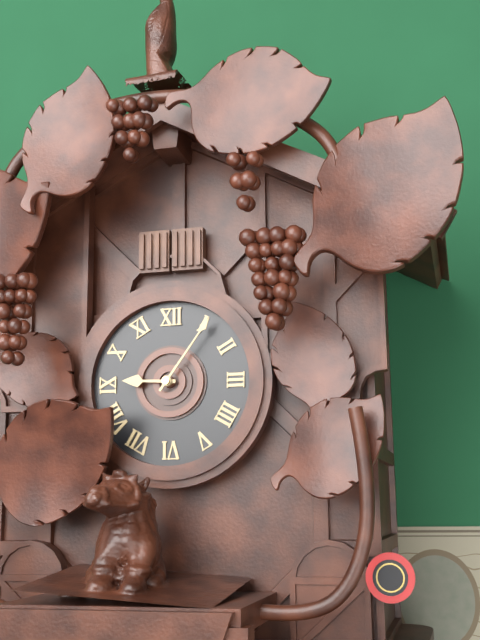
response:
h=9 m=6
